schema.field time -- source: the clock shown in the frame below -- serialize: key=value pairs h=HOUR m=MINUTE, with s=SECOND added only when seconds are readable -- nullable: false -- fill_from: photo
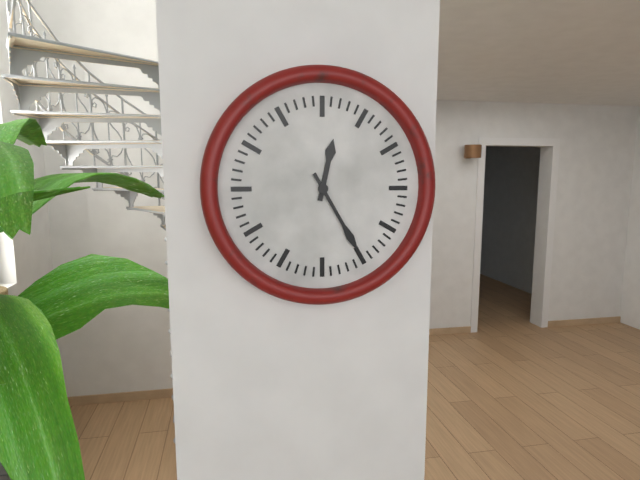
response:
h=12 m=25
